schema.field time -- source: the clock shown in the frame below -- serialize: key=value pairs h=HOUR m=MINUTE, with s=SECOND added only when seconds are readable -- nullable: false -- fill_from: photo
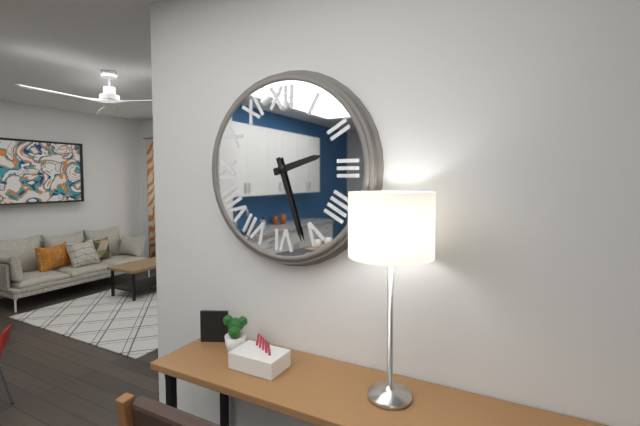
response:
h=2 m=27
